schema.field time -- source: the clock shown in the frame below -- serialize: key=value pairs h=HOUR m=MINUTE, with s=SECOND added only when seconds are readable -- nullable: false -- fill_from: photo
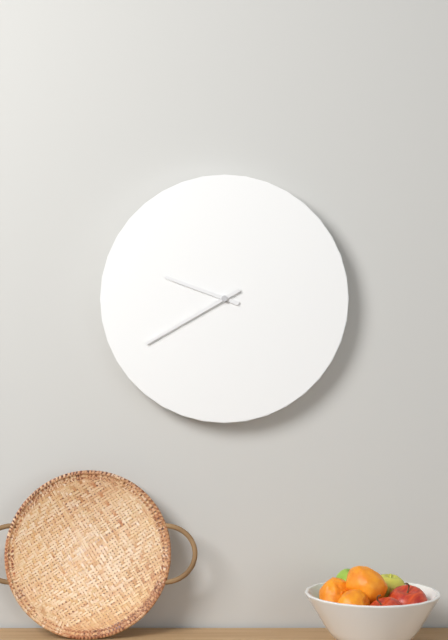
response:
h=9 m=40
